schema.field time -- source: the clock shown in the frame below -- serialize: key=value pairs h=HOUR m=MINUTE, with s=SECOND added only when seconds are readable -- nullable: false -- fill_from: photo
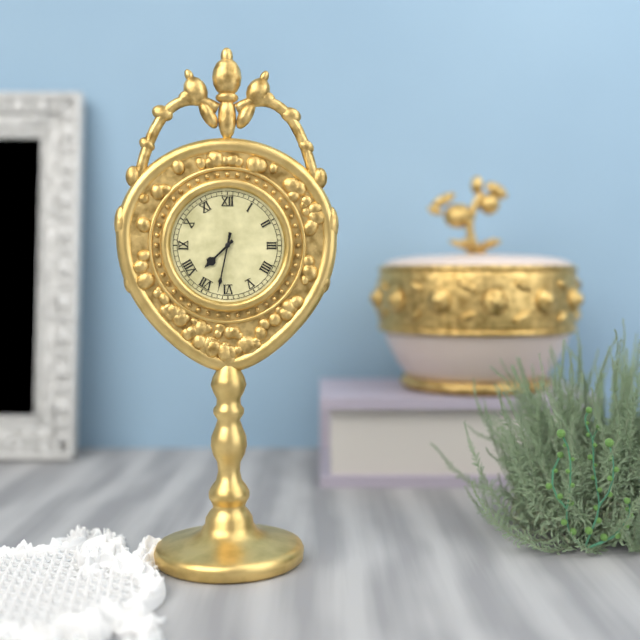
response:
h=7 m=32
